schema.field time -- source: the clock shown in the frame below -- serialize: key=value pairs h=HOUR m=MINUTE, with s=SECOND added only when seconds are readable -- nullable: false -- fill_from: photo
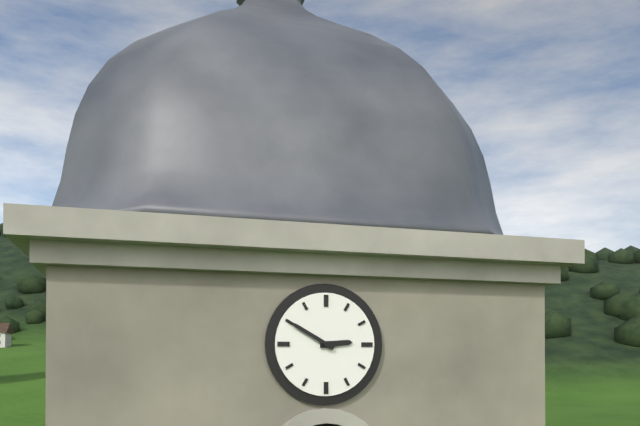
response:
h=2 m=50
